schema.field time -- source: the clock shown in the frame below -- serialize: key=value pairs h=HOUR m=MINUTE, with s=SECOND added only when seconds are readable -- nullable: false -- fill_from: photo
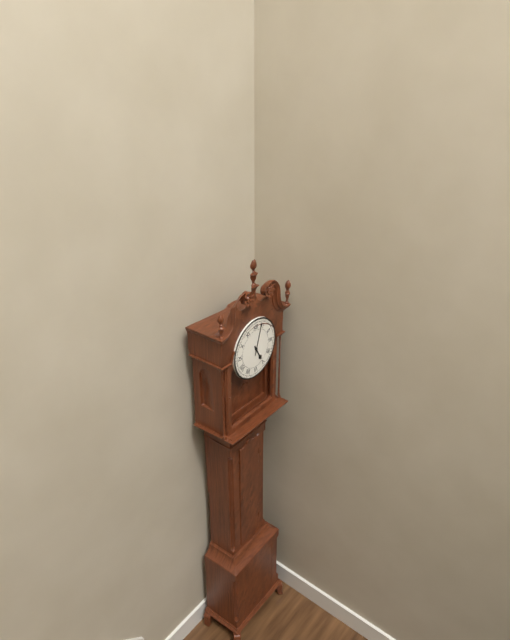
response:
h=5 m=3
